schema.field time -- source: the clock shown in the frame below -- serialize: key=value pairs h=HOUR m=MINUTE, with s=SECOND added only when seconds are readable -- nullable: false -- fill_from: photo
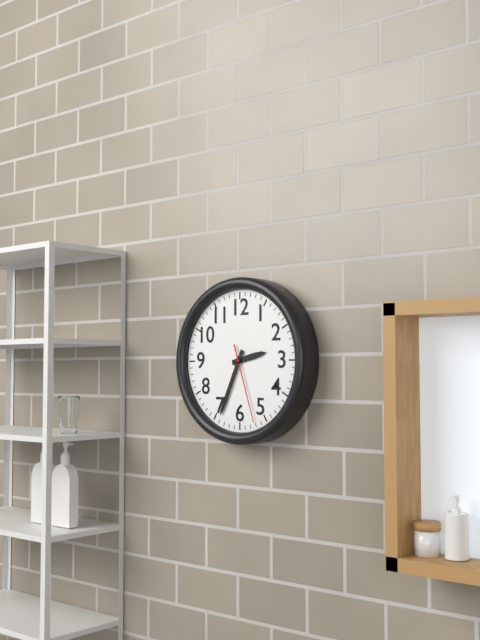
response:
h=2 m=34 s=27
